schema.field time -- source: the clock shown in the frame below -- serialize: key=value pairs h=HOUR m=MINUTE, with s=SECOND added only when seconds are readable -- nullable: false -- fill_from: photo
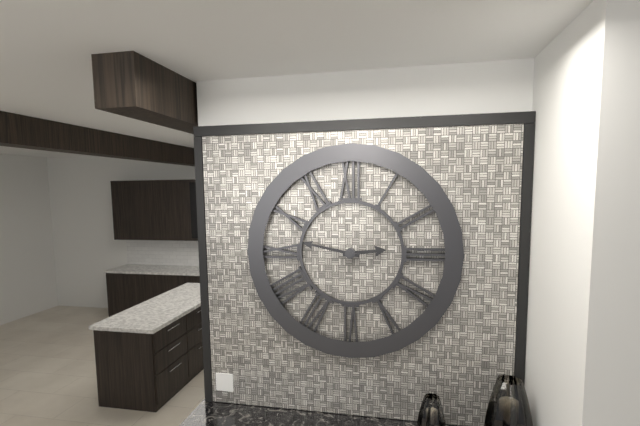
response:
h=2 m=47
